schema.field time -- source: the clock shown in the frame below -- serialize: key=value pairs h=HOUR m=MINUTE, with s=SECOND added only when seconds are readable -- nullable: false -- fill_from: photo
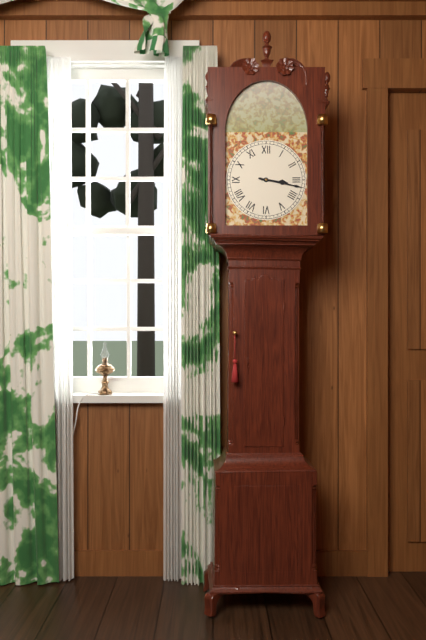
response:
h=3 m=17
